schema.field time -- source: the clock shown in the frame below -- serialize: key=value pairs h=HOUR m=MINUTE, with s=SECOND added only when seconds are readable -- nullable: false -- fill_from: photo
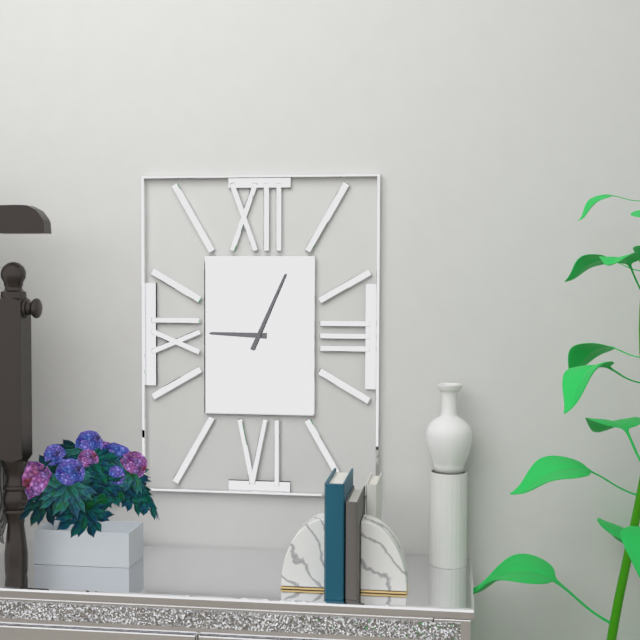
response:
h=9 m=4
